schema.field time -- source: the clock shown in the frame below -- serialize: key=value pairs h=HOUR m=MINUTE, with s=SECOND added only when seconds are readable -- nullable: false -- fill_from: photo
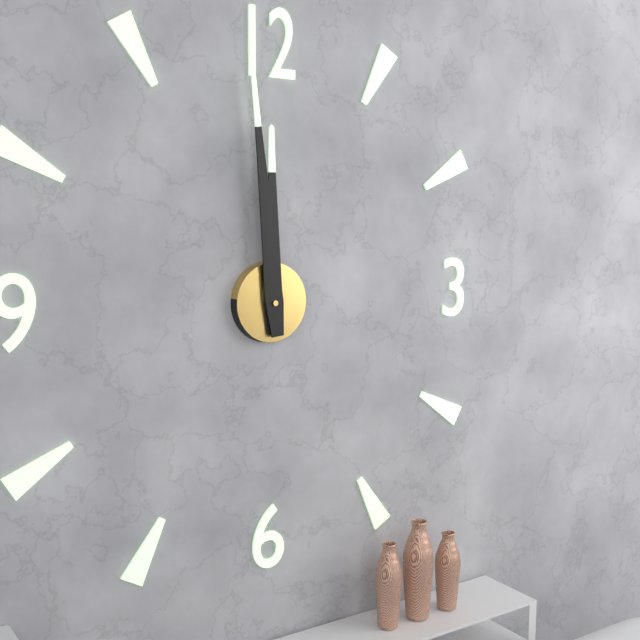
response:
h=11 m=59
